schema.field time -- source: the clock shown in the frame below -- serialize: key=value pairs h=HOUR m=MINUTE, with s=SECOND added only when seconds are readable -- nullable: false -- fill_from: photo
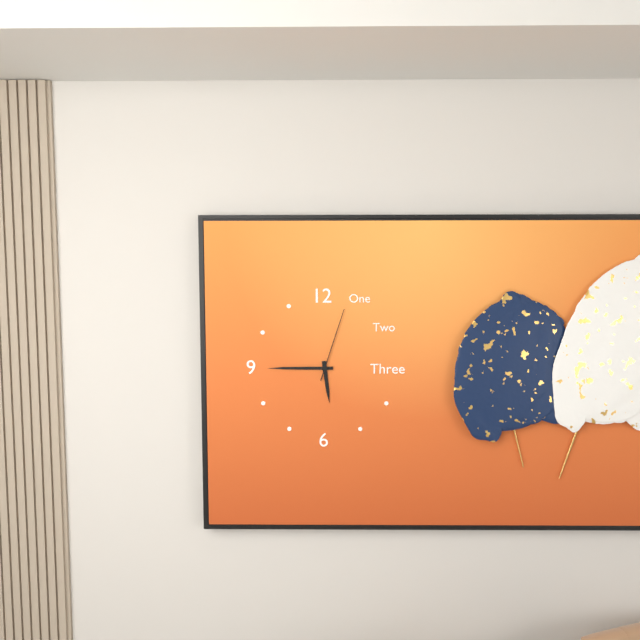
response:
h=5 m=45 s=3
